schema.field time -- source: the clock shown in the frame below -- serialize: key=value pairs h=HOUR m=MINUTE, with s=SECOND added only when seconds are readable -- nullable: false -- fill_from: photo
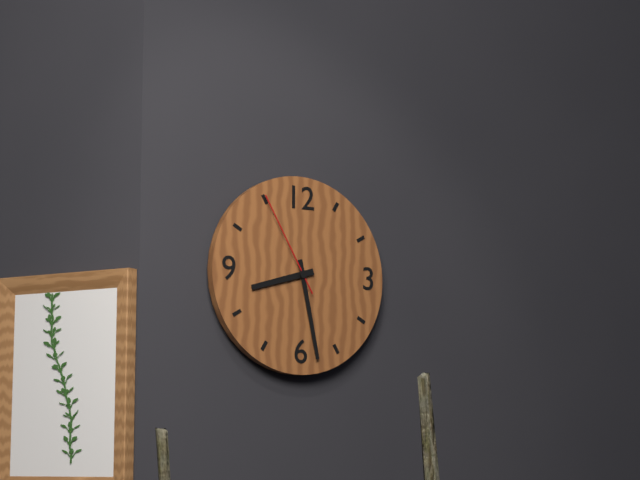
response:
h=8 m=28 s=55
